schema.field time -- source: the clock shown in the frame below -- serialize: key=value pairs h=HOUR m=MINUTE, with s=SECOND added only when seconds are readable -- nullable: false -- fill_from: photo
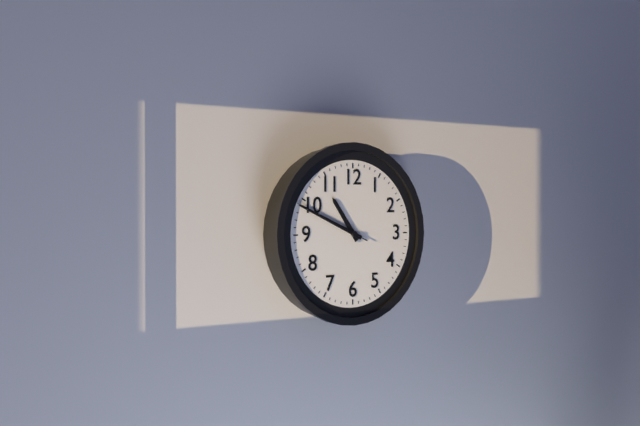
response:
h=10 m=49 s=49
